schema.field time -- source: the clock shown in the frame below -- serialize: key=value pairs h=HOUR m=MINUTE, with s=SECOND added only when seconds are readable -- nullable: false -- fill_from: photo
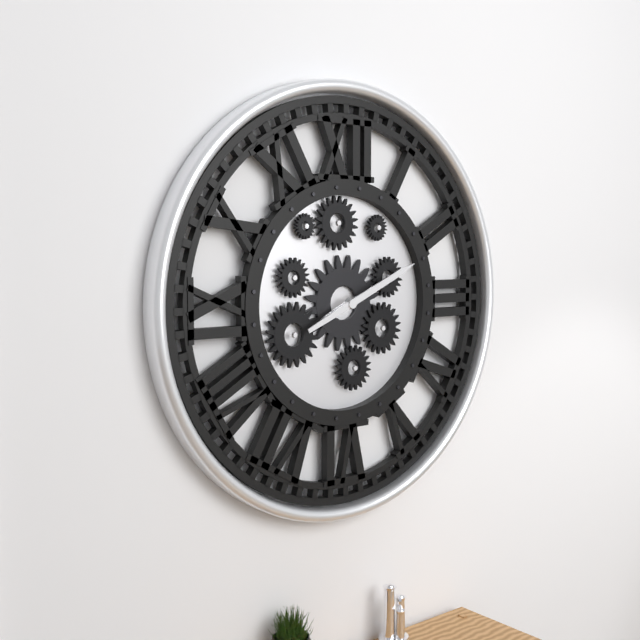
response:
h=8 m=11
